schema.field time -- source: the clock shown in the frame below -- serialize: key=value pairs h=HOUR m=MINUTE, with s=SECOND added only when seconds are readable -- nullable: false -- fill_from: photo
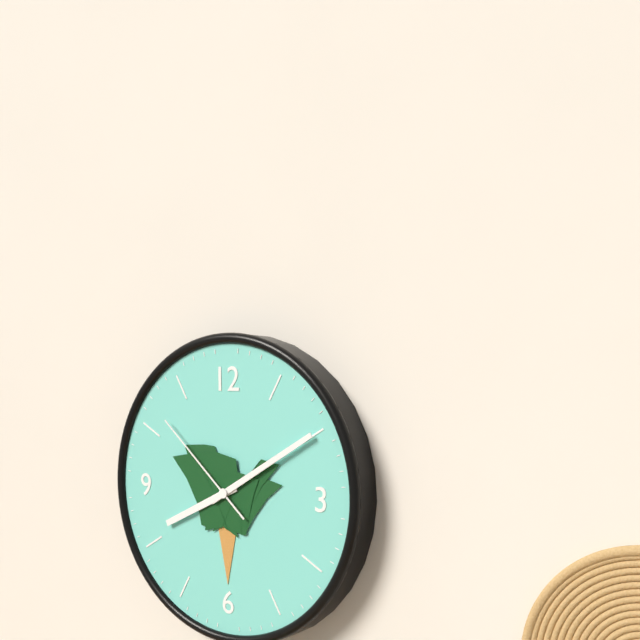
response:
h=8 m=10 s=52
